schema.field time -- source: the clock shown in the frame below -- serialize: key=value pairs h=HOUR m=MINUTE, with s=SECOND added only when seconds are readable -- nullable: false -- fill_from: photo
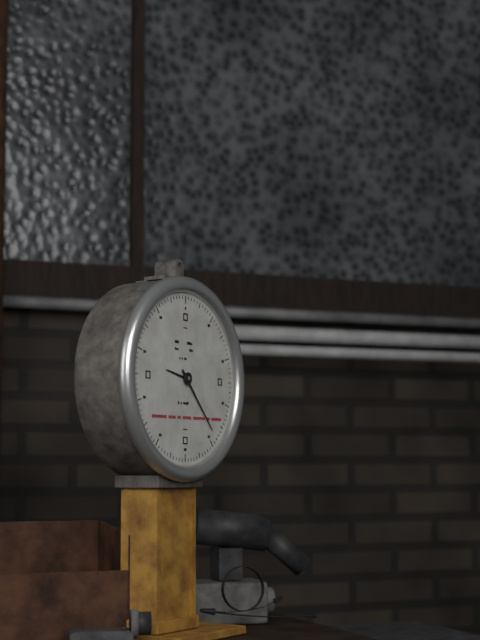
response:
h=9 m=23
